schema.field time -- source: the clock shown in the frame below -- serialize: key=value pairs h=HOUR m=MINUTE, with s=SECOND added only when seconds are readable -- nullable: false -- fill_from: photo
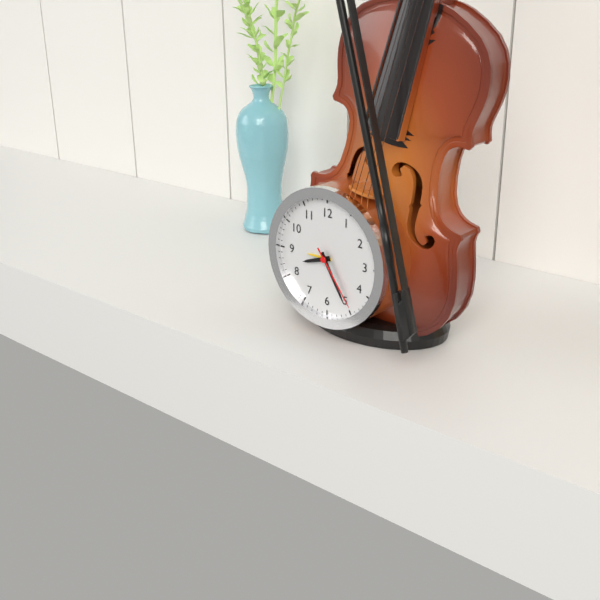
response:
h=8 m=25 s=24
